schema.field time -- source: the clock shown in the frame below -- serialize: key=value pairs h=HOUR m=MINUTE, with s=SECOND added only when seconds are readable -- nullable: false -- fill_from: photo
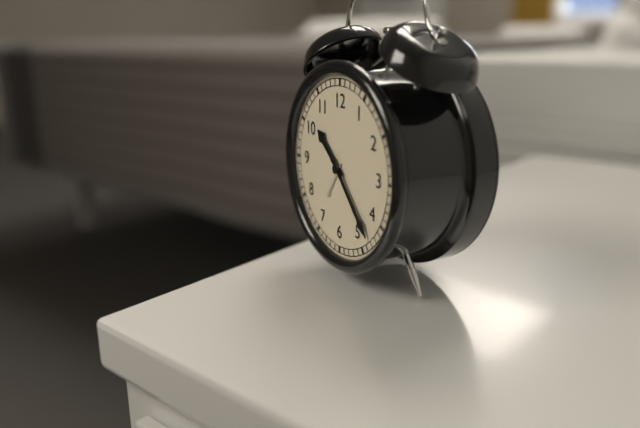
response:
h=10 m=23
